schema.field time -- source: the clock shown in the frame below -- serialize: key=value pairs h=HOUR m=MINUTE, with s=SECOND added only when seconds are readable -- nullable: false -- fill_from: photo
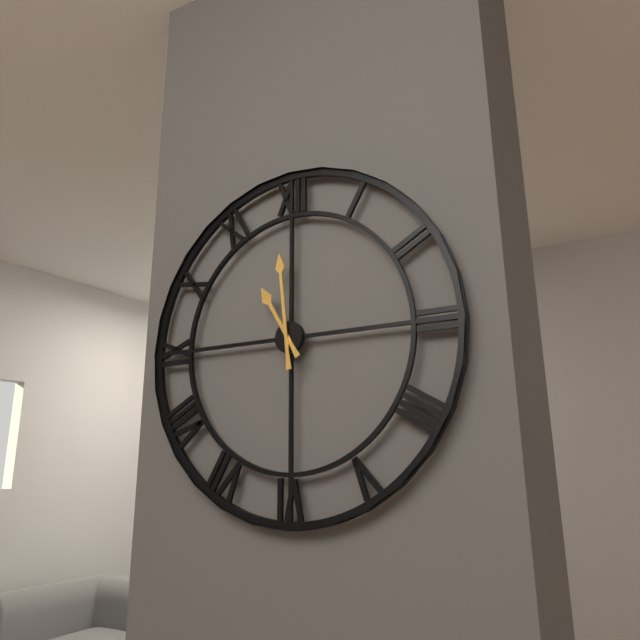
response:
h=10 m=59
